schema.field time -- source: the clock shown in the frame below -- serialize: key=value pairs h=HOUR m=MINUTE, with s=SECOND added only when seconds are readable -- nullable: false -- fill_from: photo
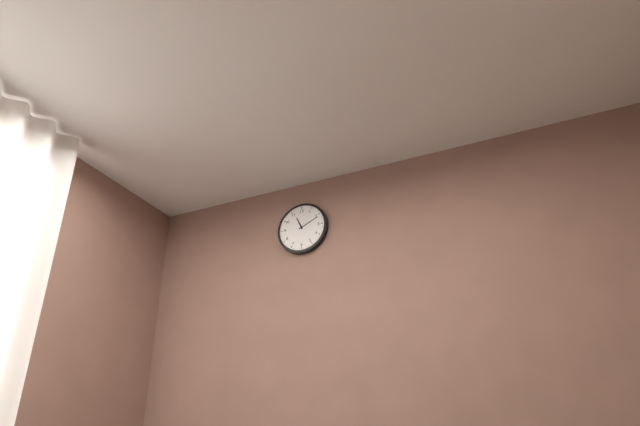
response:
h=11 m=11
